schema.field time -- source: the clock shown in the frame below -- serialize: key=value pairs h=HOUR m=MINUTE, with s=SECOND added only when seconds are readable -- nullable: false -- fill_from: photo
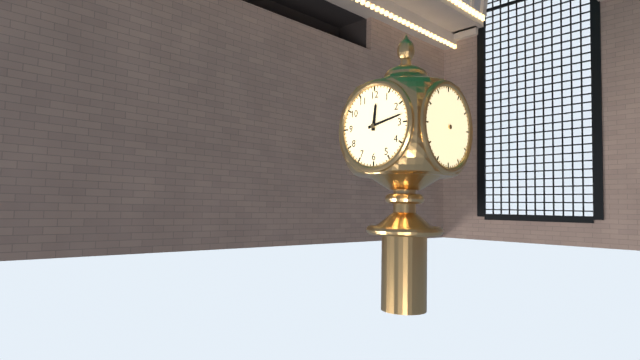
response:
h=12 m=13
